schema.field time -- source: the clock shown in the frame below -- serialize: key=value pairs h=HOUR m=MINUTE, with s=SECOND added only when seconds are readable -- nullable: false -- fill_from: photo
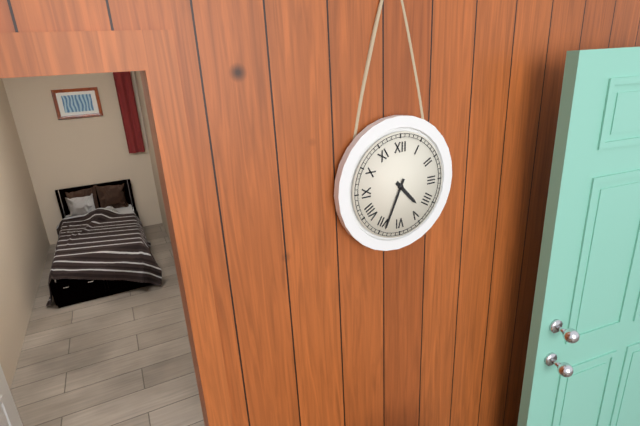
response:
h=4 m=34
